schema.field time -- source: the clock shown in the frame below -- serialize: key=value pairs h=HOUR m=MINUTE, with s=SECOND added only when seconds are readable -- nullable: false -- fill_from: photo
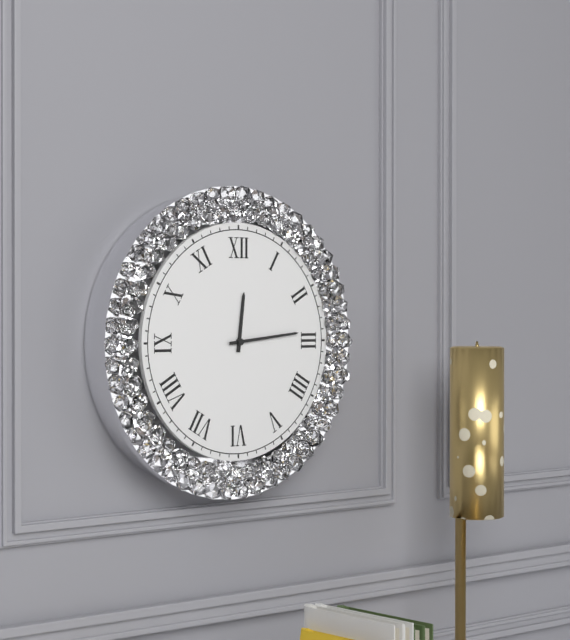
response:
h=12 m=14
